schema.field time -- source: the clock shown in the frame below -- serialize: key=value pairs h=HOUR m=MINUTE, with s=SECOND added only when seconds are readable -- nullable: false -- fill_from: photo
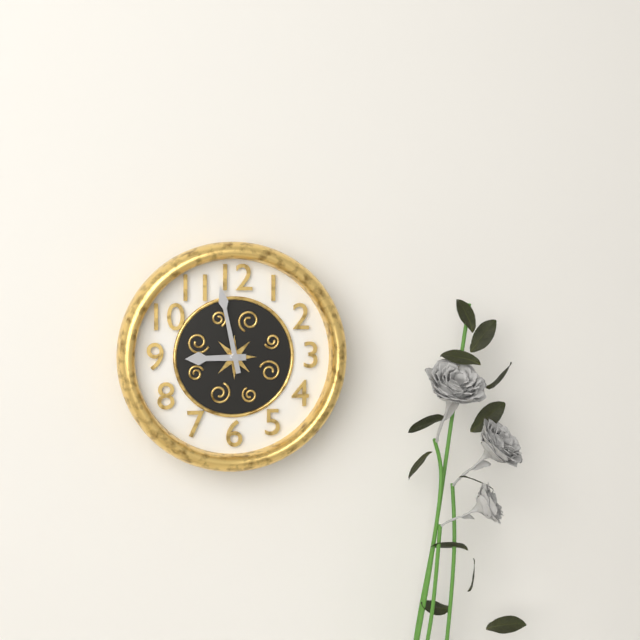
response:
h=8 m=58
